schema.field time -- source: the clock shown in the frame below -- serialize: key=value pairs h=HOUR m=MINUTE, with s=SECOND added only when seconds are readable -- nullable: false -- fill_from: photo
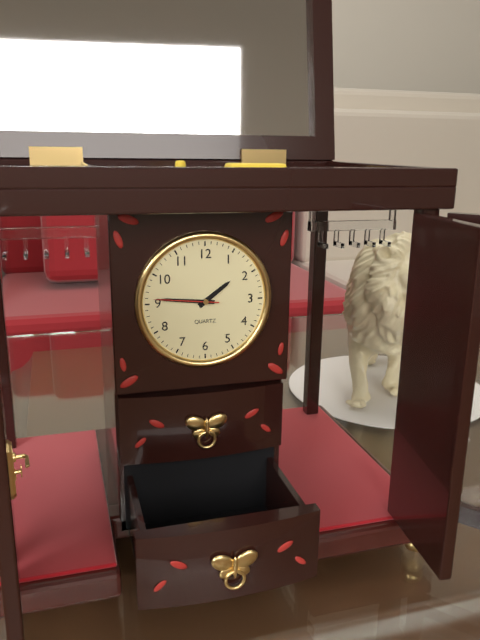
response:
h=1 m=46 s=46
